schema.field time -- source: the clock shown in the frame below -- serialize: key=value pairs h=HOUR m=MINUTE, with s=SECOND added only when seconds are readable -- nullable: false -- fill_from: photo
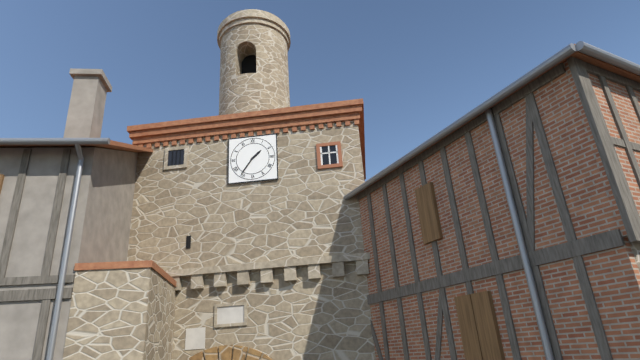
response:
h=1 m=36
